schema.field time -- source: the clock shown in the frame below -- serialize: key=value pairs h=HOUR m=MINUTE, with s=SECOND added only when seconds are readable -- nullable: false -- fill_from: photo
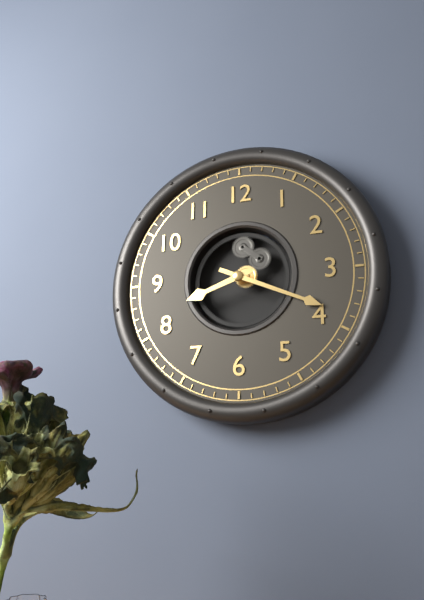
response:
h=8 m=19
